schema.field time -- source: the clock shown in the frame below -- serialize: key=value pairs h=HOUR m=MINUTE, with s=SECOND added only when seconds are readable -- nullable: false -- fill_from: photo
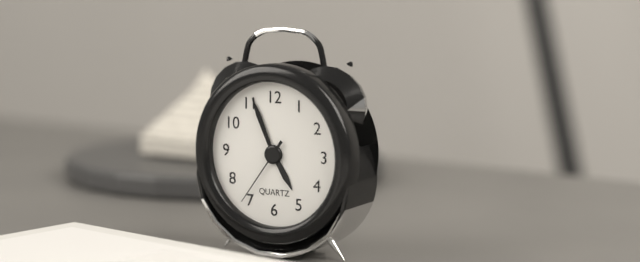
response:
h=4 m=56 s=36
